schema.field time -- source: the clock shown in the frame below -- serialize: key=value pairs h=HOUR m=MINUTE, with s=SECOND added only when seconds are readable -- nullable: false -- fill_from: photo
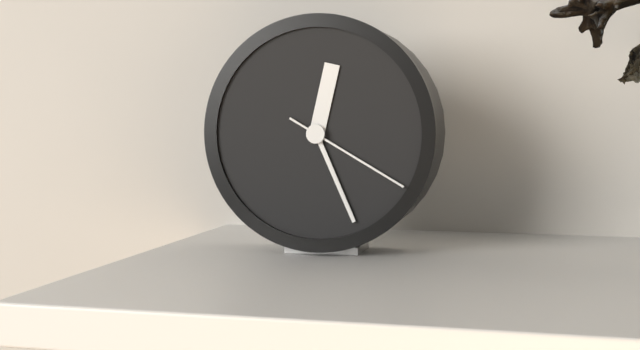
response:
h=12 m=26 s=20
